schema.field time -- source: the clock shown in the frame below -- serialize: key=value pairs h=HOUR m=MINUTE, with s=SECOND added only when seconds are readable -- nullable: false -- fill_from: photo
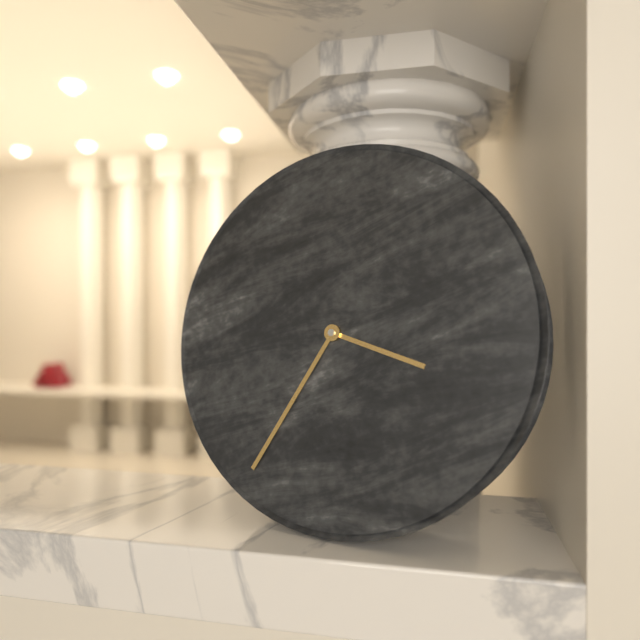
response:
h=3 m=35
